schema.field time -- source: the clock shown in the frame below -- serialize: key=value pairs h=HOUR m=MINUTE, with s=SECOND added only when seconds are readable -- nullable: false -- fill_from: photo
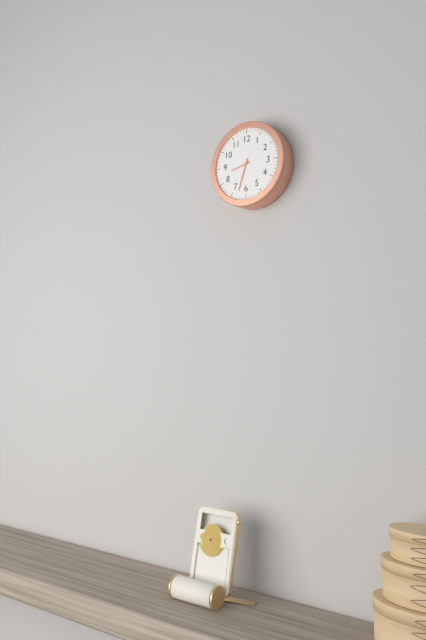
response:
h=8 m=33
